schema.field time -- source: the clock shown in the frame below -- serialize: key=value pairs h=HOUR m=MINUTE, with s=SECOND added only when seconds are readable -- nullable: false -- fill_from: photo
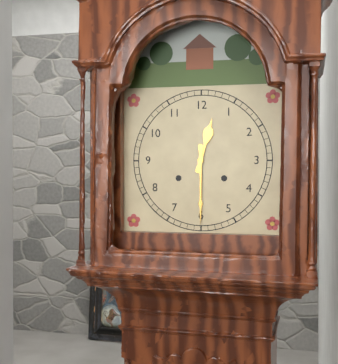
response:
h=12 m=30
